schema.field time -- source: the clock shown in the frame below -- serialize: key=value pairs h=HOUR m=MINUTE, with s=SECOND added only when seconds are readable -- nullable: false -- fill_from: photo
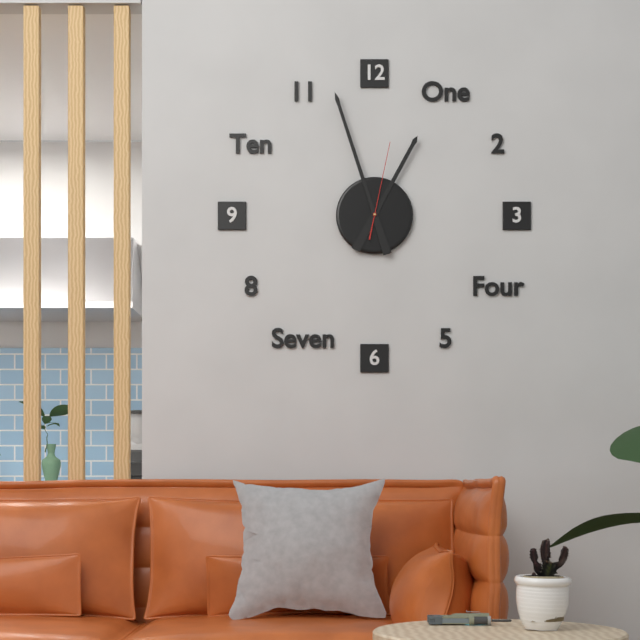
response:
h=12 m=57 s=2
